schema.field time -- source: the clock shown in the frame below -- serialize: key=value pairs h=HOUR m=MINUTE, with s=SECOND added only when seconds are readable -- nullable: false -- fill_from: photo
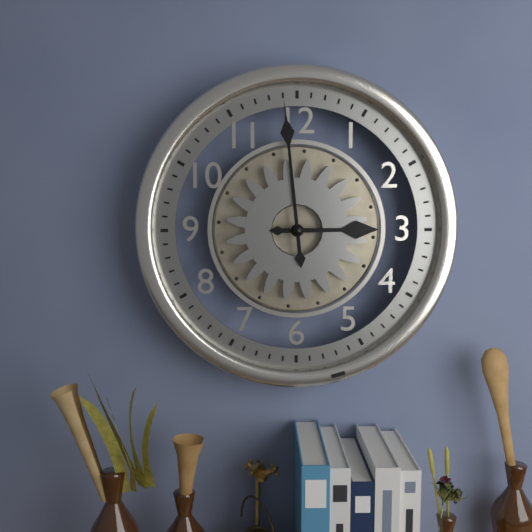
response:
h=2 m=59
